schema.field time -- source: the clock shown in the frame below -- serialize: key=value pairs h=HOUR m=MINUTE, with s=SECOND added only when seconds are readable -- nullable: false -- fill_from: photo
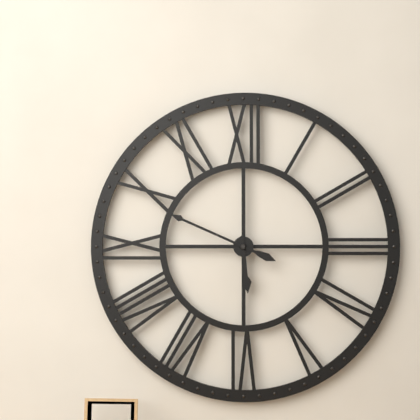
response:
h=5 m=49
